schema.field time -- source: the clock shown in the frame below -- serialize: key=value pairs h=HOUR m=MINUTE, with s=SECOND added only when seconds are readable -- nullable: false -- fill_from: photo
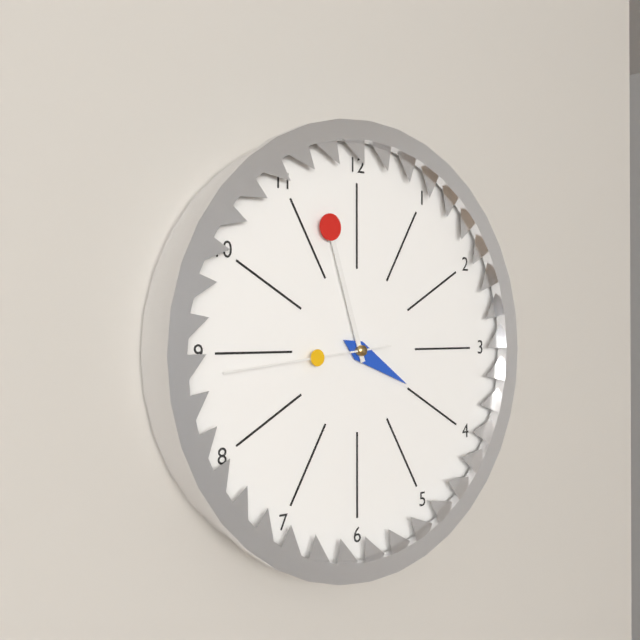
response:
h=3 m=57 s=44
